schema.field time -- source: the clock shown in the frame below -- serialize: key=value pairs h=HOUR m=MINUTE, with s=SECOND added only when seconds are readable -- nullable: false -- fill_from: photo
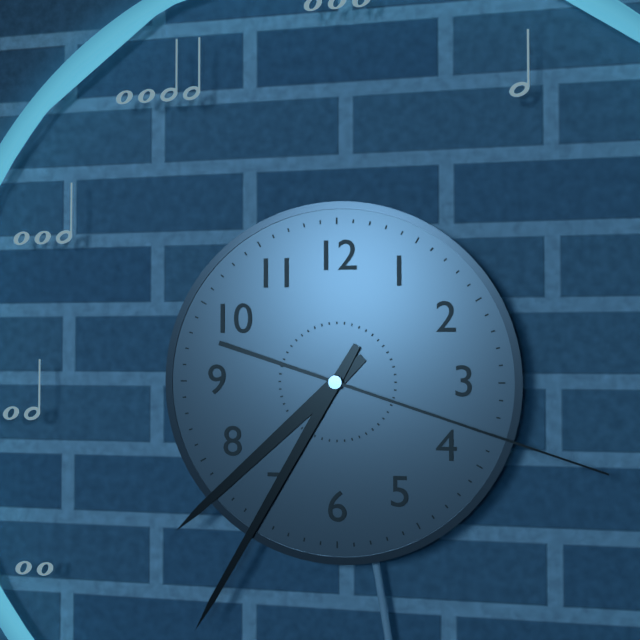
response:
h=7 m=35 s=18
